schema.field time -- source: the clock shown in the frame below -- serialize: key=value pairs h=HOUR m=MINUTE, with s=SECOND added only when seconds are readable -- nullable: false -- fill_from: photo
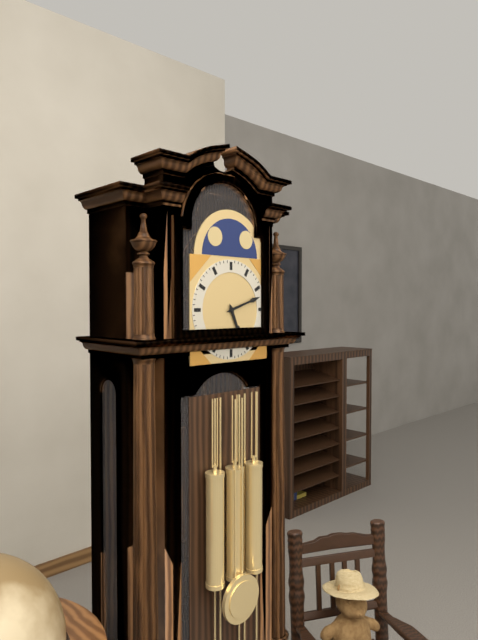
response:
h=5 m=12
